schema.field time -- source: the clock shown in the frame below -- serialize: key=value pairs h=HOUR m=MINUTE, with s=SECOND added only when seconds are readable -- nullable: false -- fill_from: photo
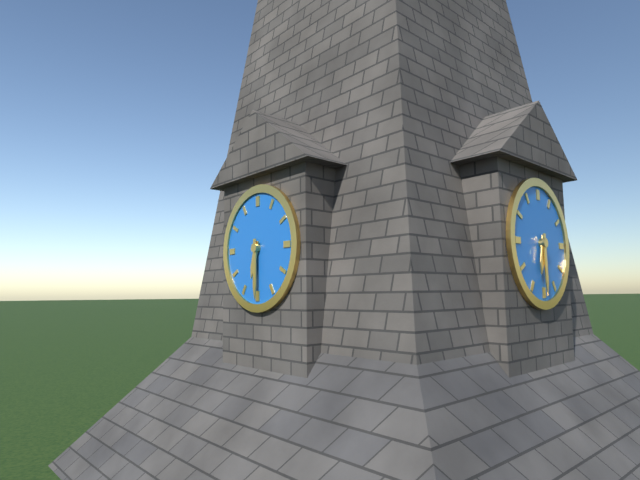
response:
h=6 m=30
